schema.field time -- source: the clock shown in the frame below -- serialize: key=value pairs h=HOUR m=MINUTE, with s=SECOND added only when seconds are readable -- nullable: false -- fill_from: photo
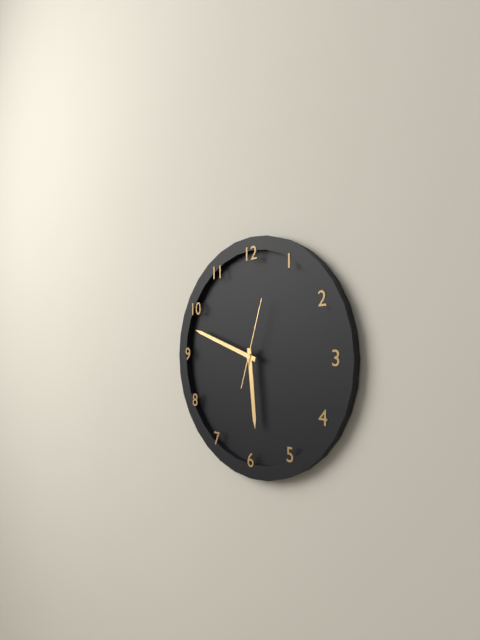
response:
h=5 m=48 s=3
